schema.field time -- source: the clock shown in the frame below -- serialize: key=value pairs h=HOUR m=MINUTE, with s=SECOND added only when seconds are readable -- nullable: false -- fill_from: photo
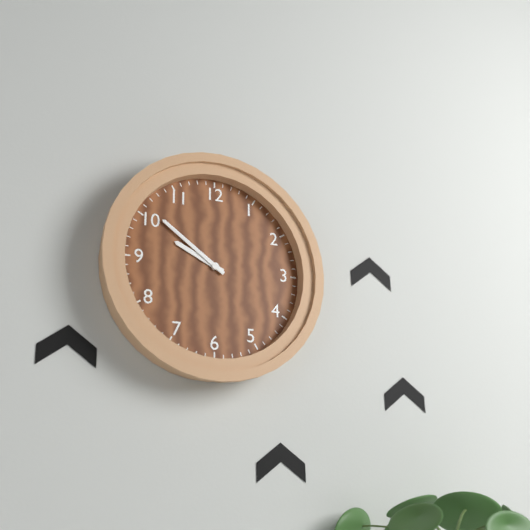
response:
h=9 m=51
